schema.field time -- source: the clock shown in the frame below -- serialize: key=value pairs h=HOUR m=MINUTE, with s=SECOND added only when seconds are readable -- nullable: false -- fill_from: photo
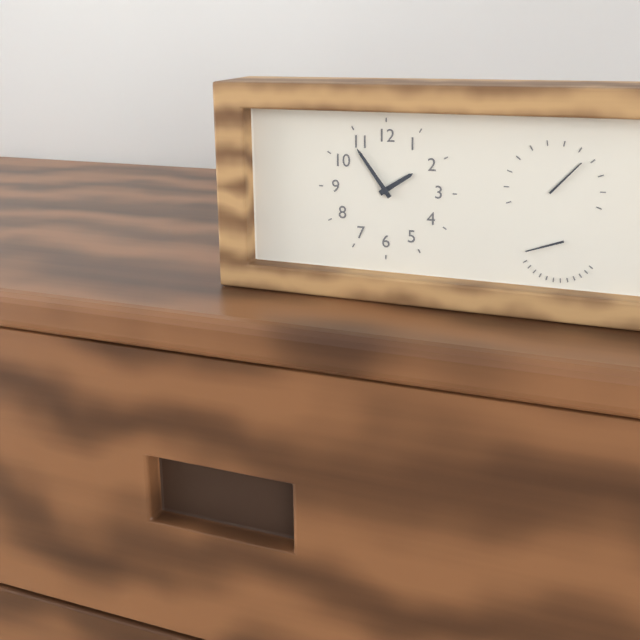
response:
h=1 m=54
